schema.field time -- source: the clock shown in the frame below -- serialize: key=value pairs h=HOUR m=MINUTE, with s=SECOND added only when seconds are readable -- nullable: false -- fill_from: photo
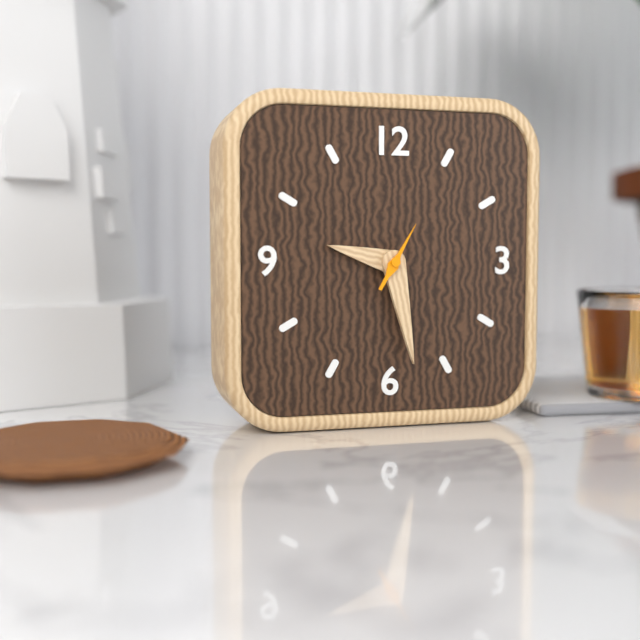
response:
h=9 m=28 s=5
